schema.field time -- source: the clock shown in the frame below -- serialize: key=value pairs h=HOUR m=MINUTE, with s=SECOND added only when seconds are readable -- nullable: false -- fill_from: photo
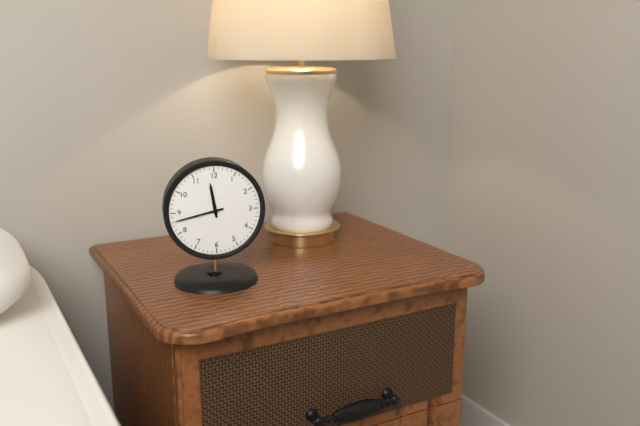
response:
h=11 m=43
